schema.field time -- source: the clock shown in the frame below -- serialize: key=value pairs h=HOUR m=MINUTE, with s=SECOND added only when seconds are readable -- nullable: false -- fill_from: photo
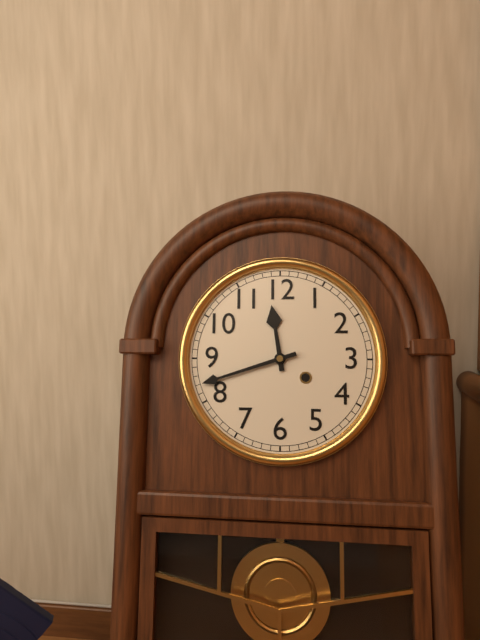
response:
h=11 m=42
